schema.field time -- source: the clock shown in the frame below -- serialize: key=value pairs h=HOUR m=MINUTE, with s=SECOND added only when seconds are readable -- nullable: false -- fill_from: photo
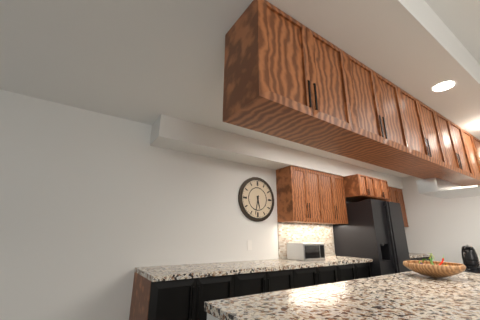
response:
h=5 m=32
